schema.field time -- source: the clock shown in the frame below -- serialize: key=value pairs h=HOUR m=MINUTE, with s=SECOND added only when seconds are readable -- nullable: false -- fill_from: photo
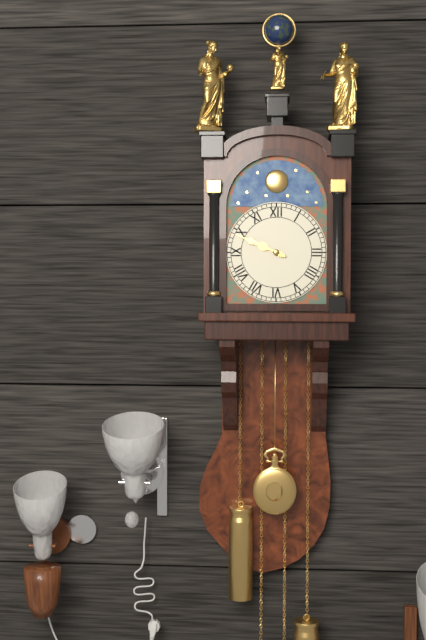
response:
h=9 m=49
